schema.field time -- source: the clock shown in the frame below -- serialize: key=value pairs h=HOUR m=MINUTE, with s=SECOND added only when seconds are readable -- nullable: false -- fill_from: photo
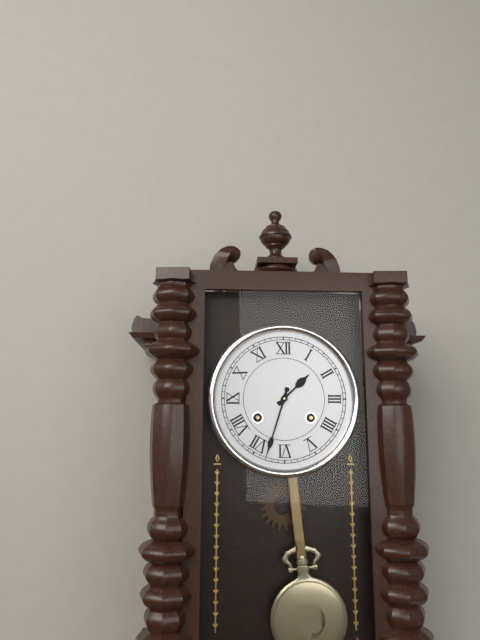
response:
h=1 m=33
